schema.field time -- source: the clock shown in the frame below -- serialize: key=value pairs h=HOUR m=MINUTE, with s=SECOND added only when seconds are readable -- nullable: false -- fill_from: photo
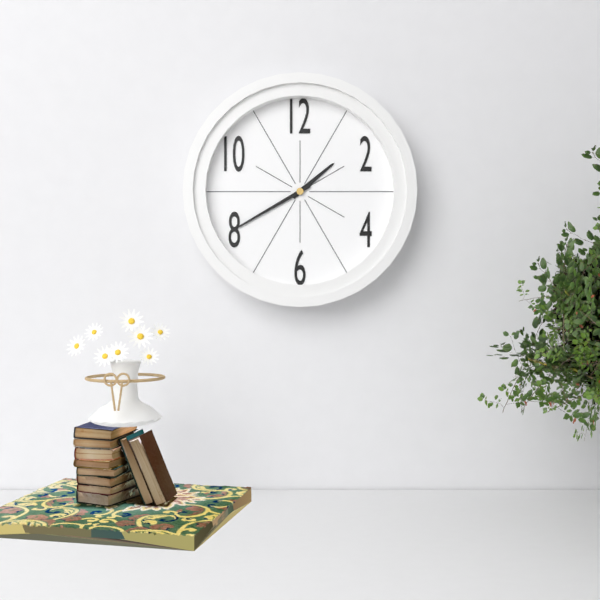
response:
h=1 m=40
